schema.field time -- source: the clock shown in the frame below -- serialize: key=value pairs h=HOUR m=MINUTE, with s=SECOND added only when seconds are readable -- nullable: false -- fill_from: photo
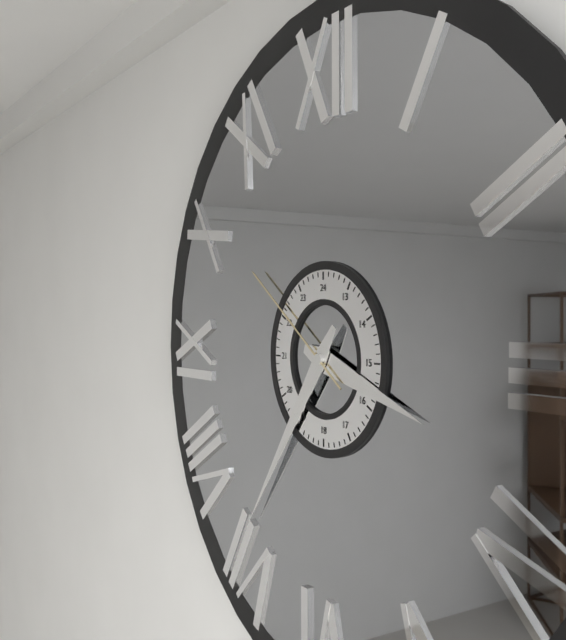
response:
h=3 m=36 s=51
